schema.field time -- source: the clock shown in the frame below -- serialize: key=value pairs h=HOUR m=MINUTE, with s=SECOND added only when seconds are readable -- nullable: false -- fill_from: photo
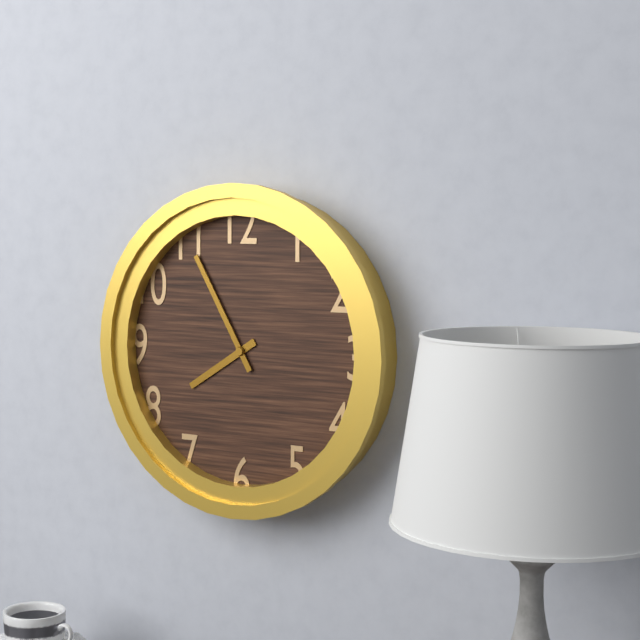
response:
h=7 m=55
